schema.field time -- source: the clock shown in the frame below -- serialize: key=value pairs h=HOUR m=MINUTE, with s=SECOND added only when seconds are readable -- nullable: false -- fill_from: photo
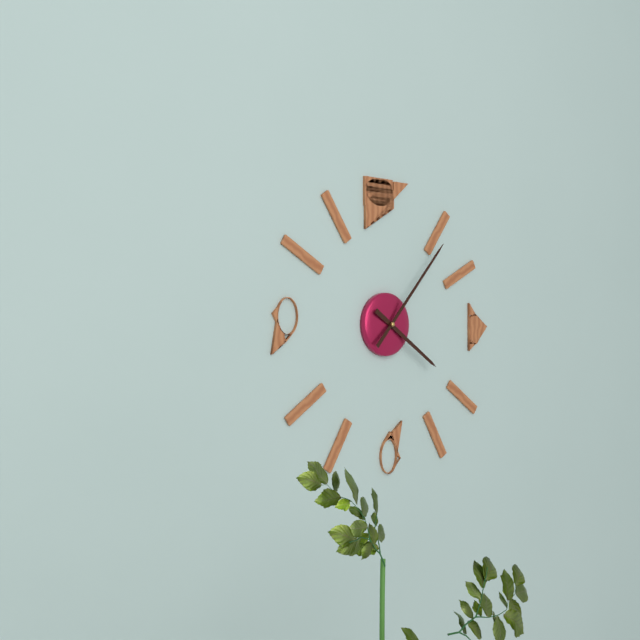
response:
h=4 m=7
